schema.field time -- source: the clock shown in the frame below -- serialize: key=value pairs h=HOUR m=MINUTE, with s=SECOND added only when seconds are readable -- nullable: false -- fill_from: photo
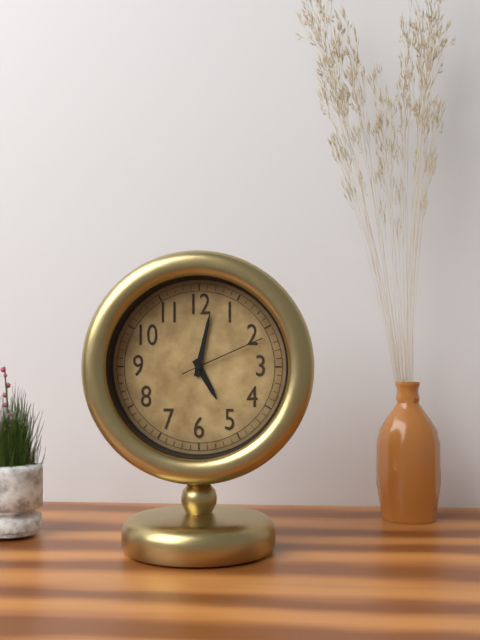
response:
h=5 m=2 s=11
